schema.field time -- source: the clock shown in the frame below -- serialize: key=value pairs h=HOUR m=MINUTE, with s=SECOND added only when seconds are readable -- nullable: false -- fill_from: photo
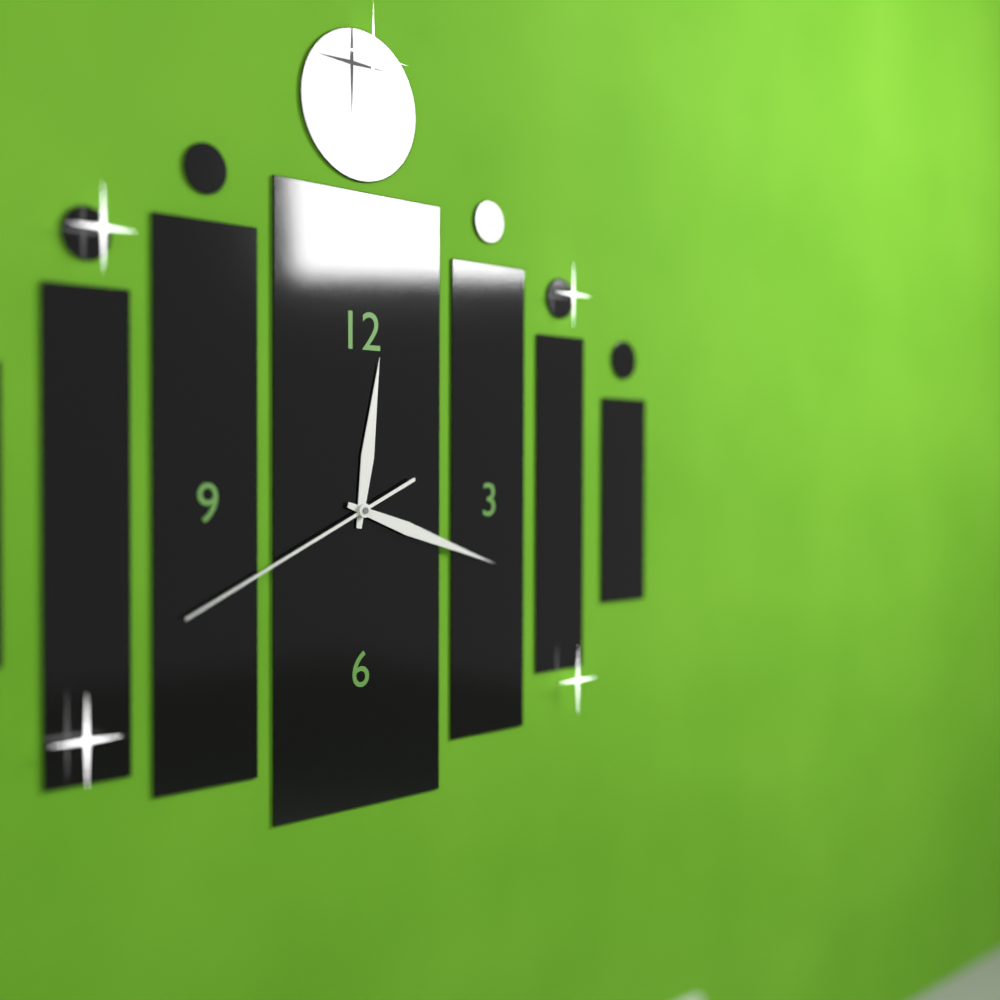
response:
h=12 m=18 s=41
